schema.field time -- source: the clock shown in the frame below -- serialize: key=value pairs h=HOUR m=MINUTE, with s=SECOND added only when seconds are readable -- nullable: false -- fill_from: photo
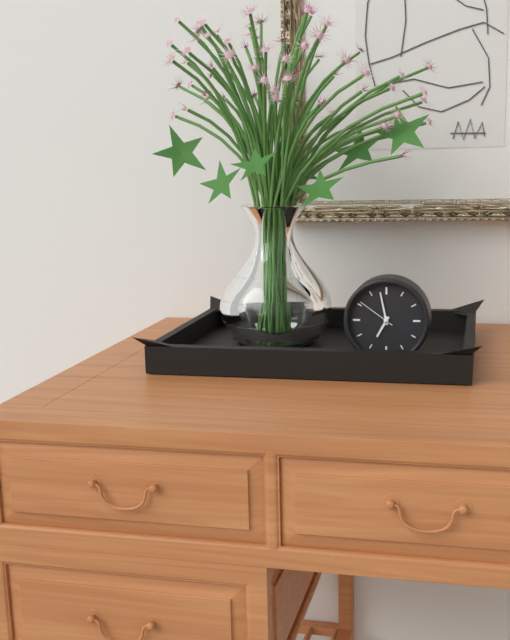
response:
h=6 m=58
